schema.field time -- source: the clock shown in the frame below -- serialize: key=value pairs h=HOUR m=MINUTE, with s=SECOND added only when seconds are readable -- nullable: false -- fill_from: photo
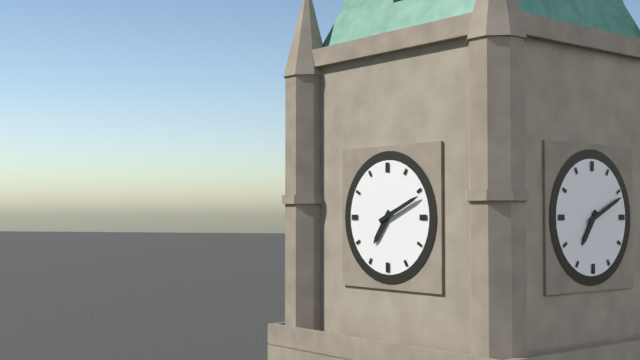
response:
h=7 m=11
